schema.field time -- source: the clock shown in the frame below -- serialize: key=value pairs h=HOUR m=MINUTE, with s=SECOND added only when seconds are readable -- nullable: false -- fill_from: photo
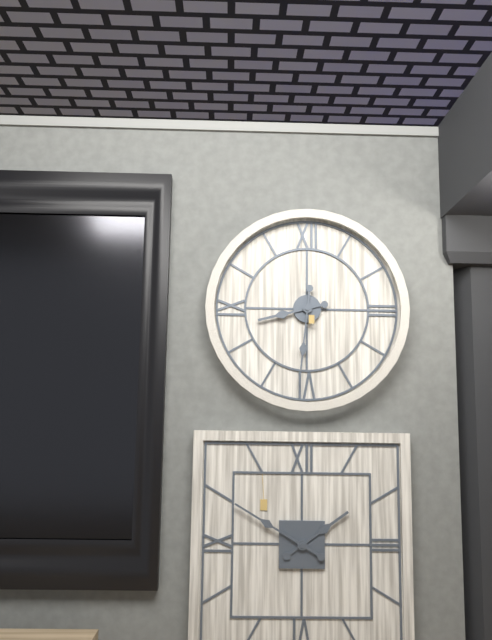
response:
h=8 m=31
